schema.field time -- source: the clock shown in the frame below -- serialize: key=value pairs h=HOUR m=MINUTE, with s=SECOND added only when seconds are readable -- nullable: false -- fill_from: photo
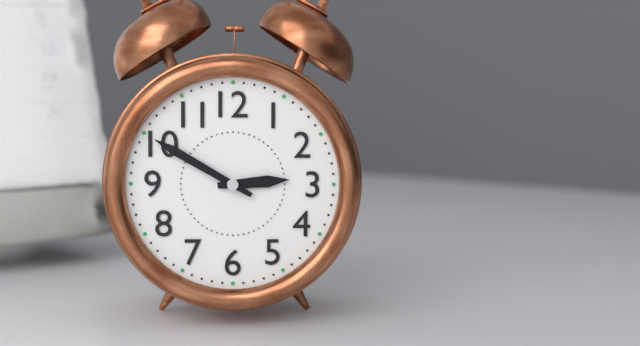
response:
h=2 m=50
